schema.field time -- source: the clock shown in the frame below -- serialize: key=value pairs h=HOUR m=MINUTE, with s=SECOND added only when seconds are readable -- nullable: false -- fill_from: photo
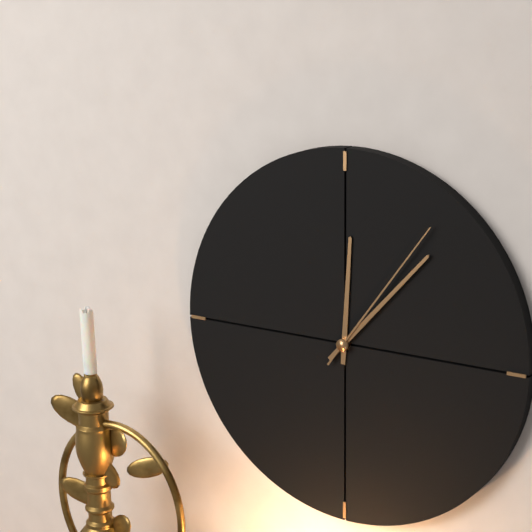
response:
h=12 m=7 s=6
